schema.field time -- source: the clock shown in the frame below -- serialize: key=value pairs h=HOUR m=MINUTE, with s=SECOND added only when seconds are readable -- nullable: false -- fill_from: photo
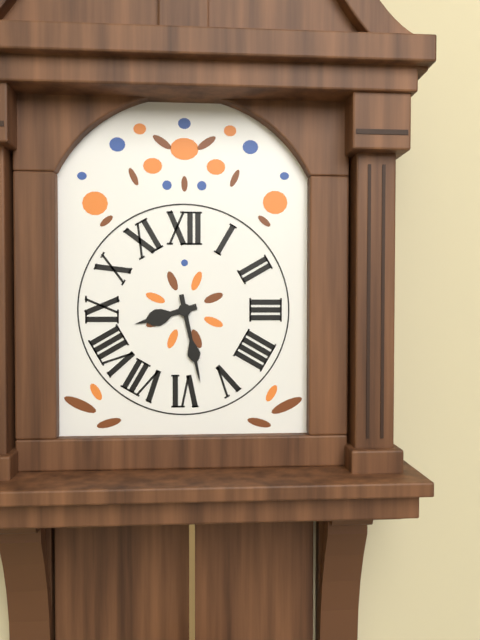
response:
h=8 m=28
